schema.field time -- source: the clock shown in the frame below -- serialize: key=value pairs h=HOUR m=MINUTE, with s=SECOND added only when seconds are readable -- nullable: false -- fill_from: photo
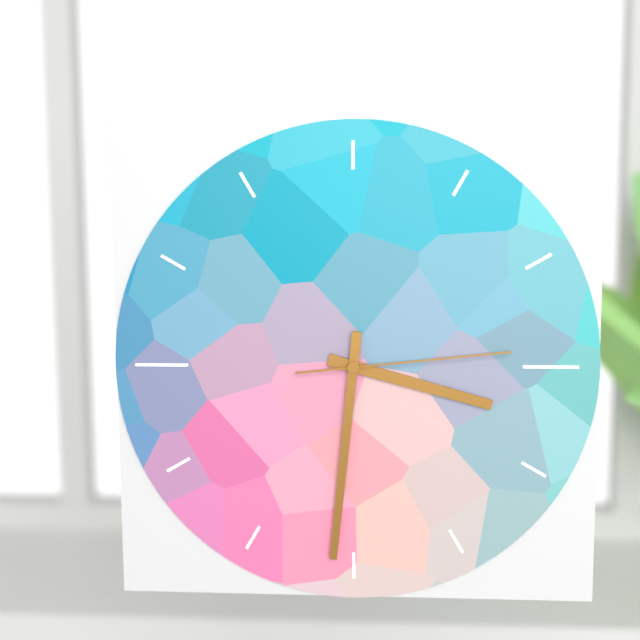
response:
h=3 m=31 s=14
